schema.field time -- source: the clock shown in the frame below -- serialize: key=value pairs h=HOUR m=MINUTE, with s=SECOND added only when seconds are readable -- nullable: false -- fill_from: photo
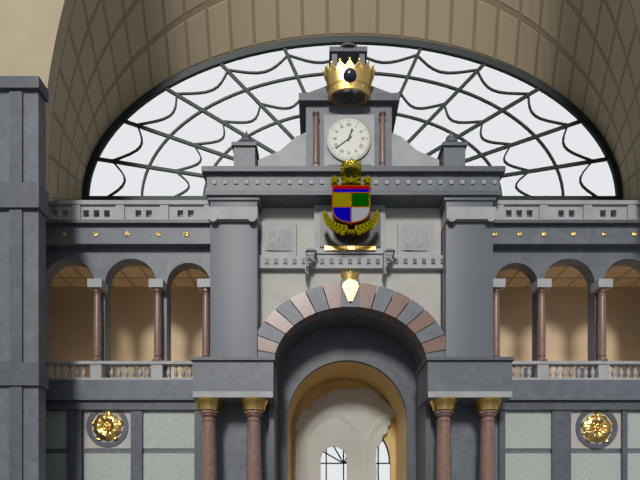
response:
h=12 m=39
